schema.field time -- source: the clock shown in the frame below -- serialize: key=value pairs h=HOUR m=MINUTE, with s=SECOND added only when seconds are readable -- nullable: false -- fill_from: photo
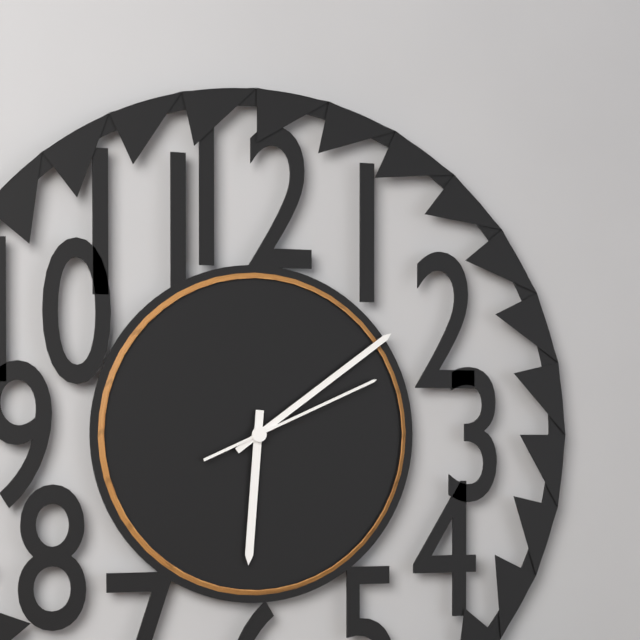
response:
h=6 m=9 s=11
